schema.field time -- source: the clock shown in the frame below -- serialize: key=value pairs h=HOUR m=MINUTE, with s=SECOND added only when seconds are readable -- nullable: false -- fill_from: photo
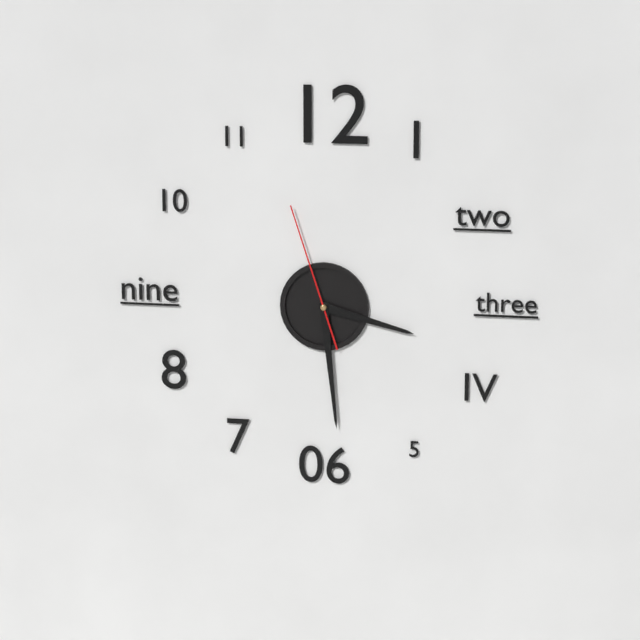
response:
h=3 m=29 s=57
